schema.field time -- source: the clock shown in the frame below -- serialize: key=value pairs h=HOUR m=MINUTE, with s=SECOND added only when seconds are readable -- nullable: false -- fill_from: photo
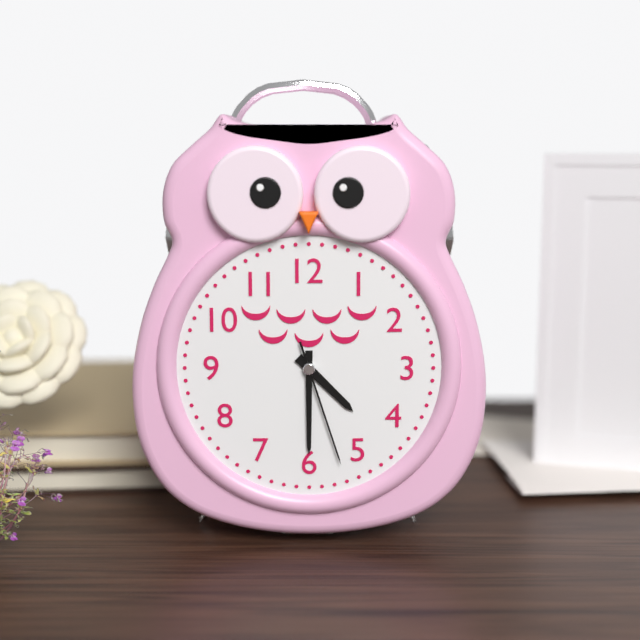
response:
h=4 m=30 s=27
